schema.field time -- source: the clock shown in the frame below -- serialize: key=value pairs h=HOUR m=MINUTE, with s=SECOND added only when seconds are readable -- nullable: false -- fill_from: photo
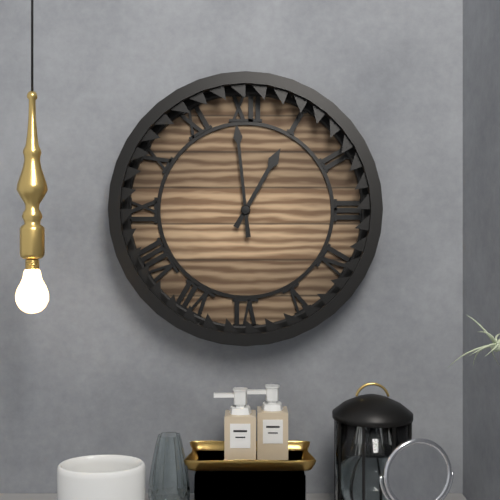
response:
h=12 m=59
